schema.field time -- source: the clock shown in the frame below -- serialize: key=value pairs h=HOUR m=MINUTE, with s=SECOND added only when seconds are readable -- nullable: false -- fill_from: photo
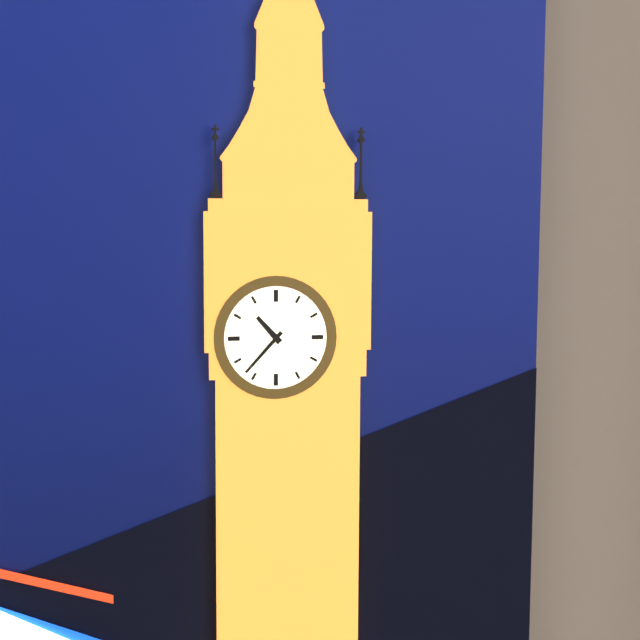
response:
h=10 m=37
